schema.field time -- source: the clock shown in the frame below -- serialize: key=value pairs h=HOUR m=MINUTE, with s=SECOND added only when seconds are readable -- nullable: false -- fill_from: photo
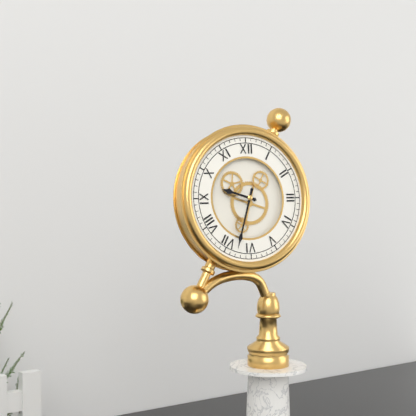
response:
h=9 m=33
